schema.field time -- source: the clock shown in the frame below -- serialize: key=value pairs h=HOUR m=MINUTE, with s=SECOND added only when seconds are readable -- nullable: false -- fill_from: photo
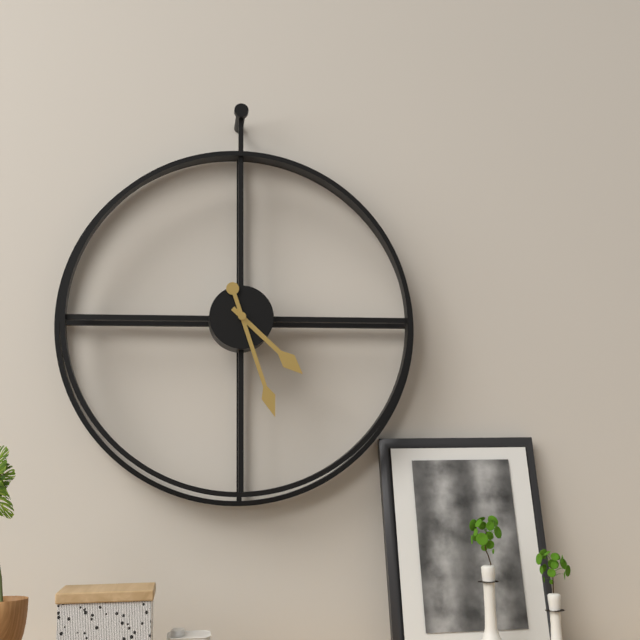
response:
h=4 m=27
